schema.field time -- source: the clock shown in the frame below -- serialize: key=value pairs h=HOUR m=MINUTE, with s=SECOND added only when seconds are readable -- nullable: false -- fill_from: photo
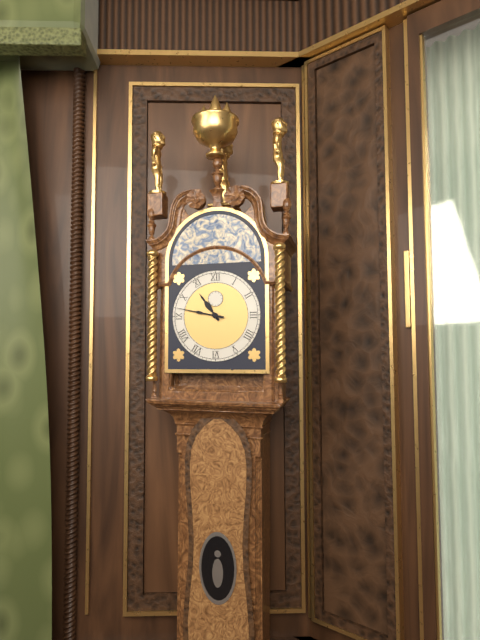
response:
h=10 m=47
